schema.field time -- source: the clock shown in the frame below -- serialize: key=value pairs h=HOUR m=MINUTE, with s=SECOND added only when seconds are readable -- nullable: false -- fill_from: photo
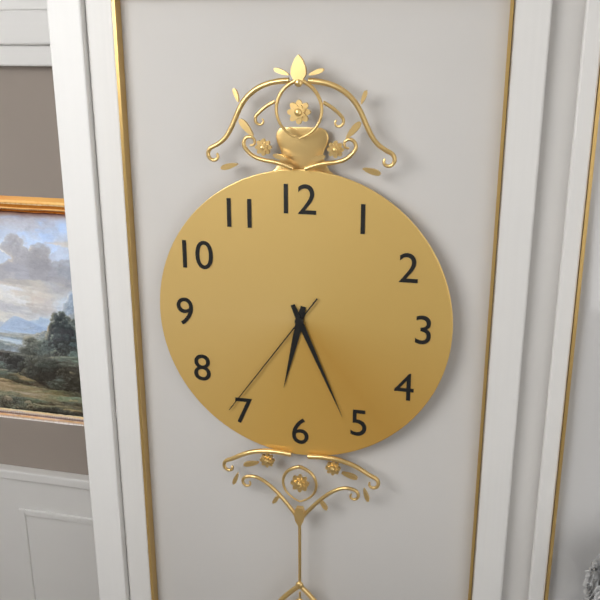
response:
h=6 m=26 s=36
